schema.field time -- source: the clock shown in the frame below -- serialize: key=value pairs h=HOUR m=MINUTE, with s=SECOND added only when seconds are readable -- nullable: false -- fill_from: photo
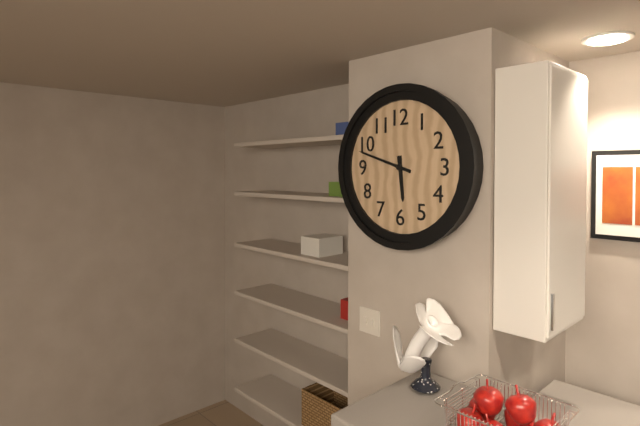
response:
h=5 m=48
